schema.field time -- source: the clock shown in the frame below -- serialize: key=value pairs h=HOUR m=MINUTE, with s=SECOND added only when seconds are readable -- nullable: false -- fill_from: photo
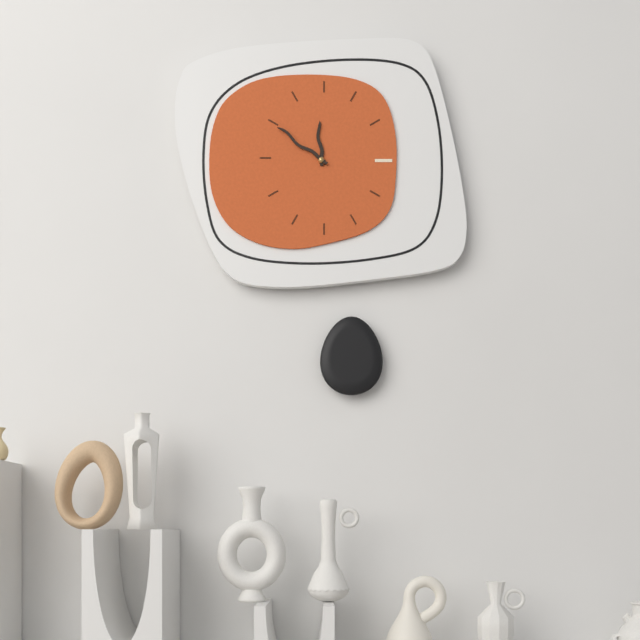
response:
h=11 m=51
